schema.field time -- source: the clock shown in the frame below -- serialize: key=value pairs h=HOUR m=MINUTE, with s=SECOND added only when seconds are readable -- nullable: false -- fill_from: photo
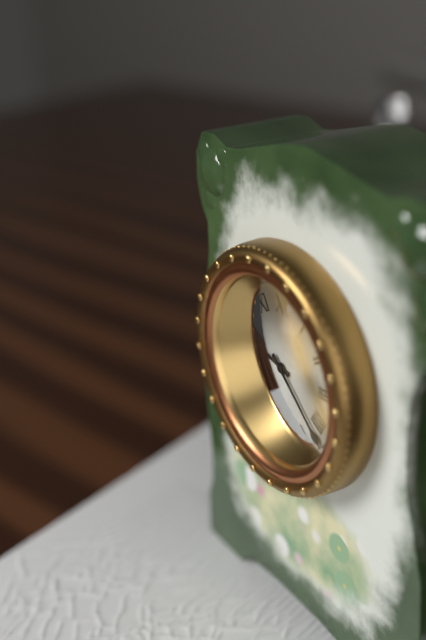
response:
h=9 m=22
